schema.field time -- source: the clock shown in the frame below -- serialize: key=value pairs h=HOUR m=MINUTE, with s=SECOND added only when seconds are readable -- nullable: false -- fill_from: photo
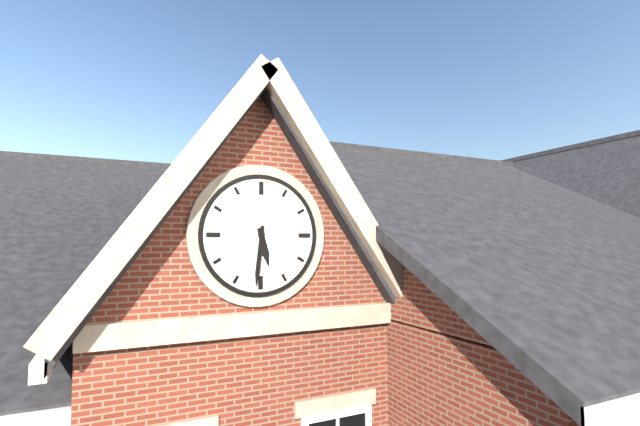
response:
h=5 m=31
